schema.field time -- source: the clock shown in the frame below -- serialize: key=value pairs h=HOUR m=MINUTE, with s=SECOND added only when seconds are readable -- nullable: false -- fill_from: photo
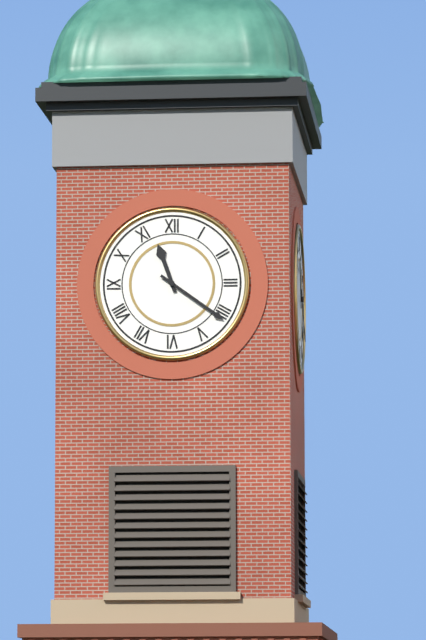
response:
h=11 m=21
